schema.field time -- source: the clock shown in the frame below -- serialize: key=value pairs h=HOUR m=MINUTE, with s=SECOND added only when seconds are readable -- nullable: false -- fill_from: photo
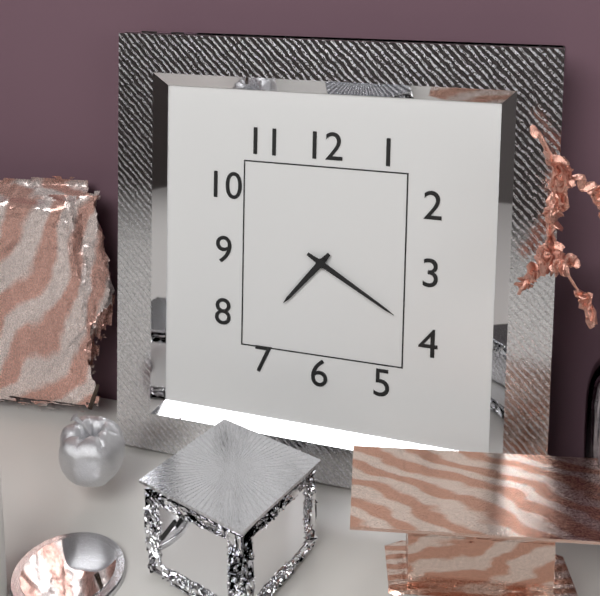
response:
h=7 m=20
